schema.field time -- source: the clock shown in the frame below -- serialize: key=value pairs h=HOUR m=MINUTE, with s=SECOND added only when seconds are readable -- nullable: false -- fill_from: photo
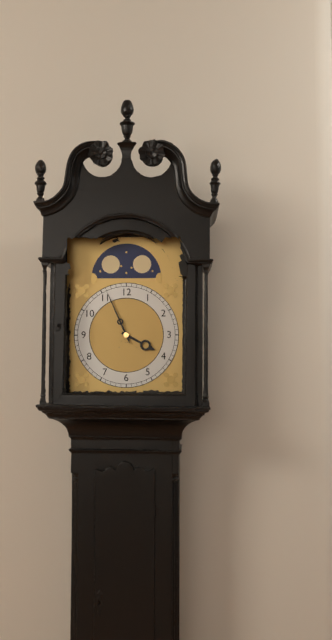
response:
h=3 m=56
